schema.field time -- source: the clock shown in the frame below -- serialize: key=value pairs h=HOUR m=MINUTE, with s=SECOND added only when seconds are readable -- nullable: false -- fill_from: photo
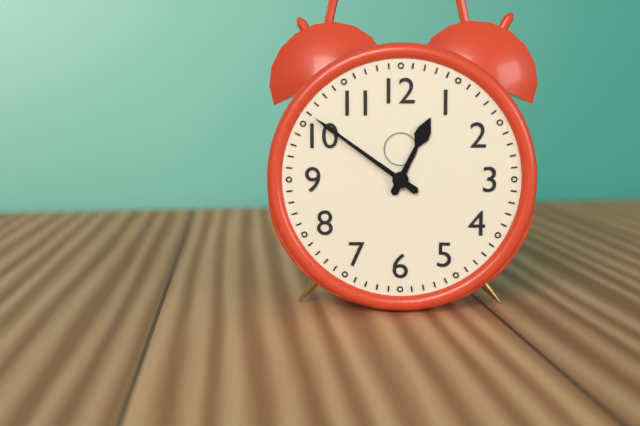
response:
h=12 m=51
